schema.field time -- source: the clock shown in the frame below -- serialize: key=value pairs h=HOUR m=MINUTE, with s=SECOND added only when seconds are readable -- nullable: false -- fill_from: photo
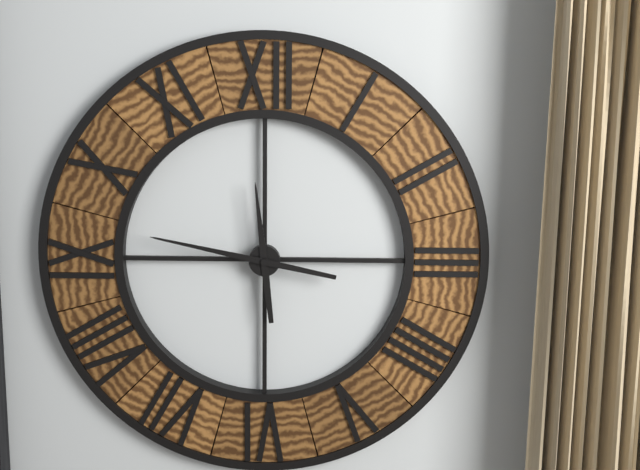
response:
h=11 m=47
